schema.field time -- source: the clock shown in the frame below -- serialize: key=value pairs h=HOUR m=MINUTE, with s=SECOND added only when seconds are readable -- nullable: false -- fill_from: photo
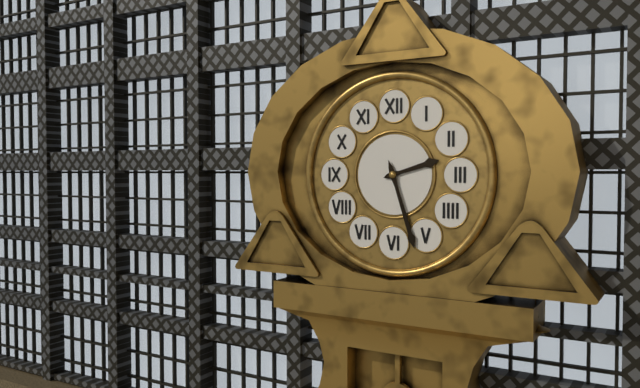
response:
h=2 m=27
